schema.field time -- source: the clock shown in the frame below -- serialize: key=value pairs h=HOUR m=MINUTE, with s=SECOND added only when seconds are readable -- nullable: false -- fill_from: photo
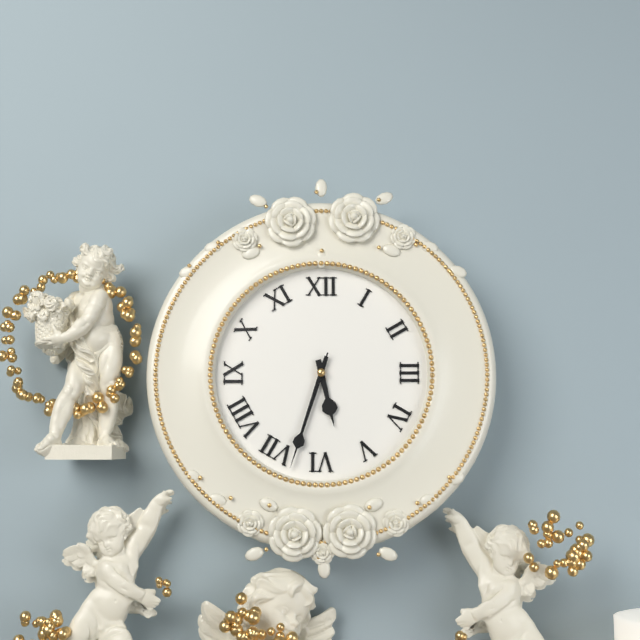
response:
h=5 m=33 s=33
